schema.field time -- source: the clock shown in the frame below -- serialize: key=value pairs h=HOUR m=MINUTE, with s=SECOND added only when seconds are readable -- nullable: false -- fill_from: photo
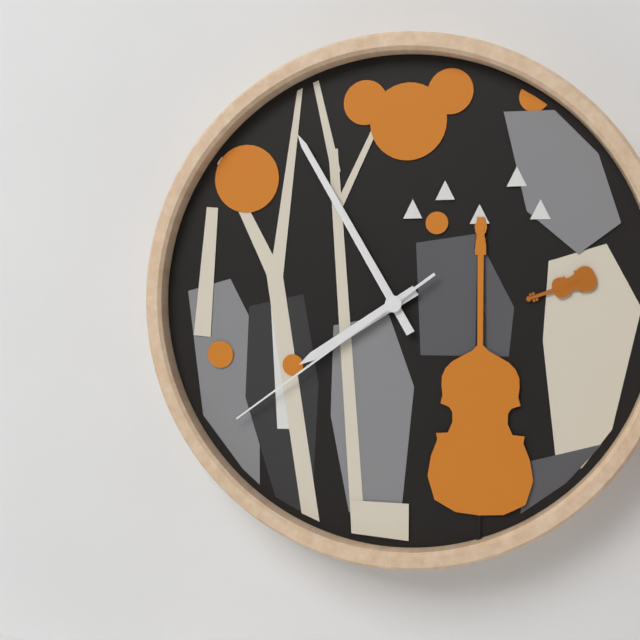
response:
h=7 m=55 s=39
